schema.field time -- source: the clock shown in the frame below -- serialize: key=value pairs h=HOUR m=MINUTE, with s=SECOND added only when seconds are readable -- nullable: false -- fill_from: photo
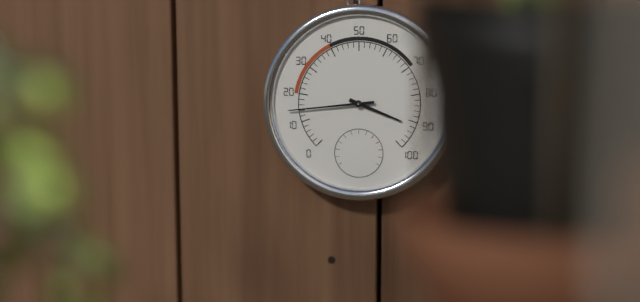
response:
h=3 m=44
